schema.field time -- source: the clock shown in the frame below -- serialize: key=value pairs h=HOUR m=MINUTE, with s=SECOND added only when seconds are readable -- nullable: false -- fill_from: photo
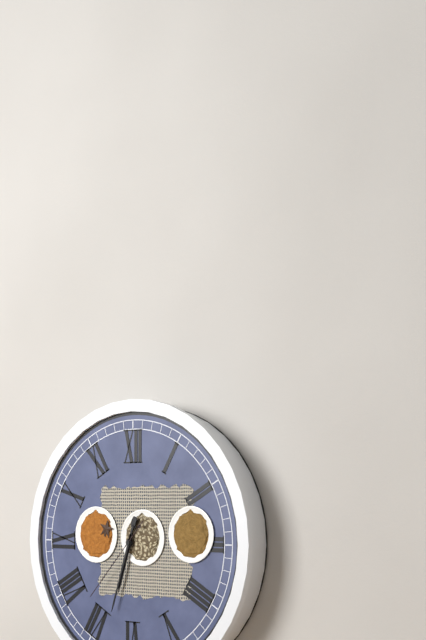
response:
h=6 m=33 s=37
